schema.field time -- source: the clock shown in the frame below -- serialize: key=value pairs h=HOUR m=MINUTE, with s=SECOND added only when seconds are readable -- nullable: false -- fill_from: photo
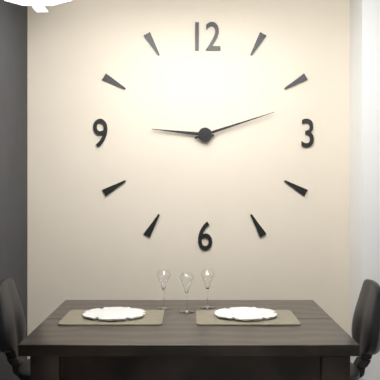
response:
h=9 m=12
